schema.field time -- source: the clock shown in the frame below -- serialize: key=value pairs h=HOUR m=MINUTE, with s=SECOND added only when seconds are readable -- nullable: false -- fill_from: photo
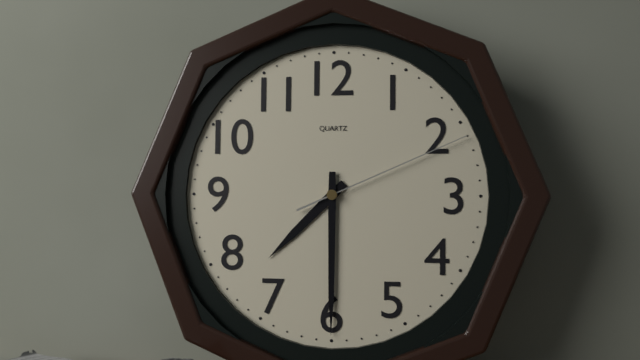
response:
h=7 m=30 s=11
